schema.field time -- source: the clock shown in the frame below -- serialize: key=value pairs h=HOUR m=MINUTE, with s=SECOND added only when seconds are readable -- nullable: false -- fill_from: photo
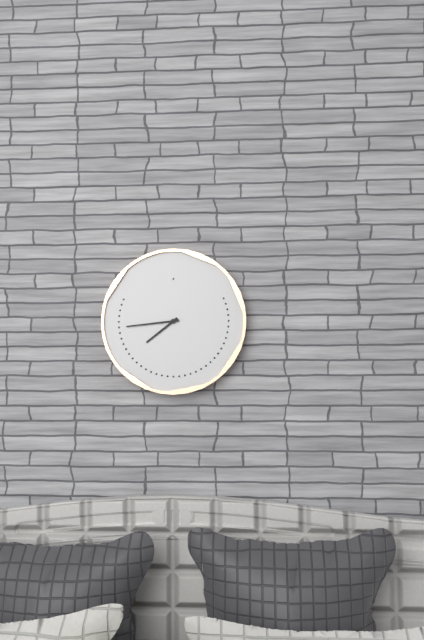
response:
h=7 m=44
